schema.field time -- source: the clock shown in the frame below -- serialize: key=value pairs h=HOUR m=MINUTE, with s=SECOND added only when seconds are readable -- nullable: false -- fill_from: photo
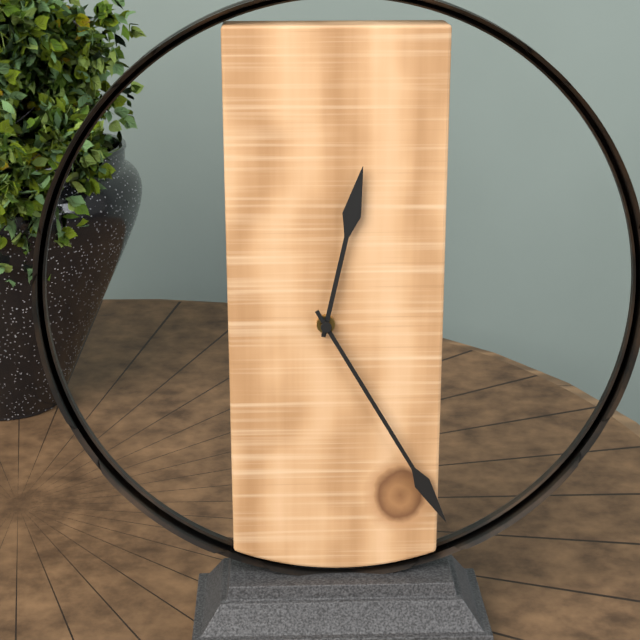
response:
h=12 m=25
